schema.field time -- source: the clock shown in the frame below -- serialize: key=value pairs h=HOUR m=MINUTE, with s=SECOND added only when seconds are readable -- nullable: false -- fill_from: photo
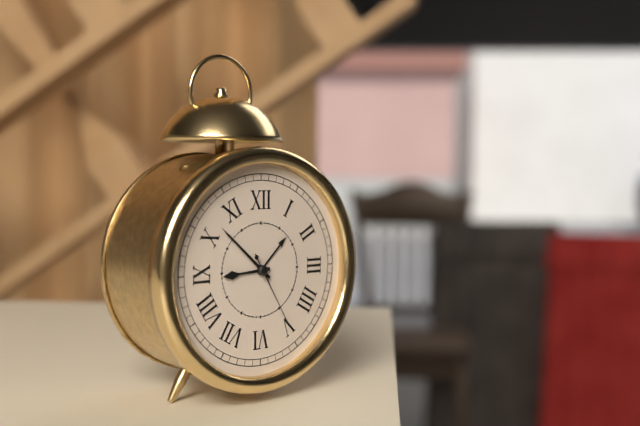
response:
h=8 m=52 s=25
